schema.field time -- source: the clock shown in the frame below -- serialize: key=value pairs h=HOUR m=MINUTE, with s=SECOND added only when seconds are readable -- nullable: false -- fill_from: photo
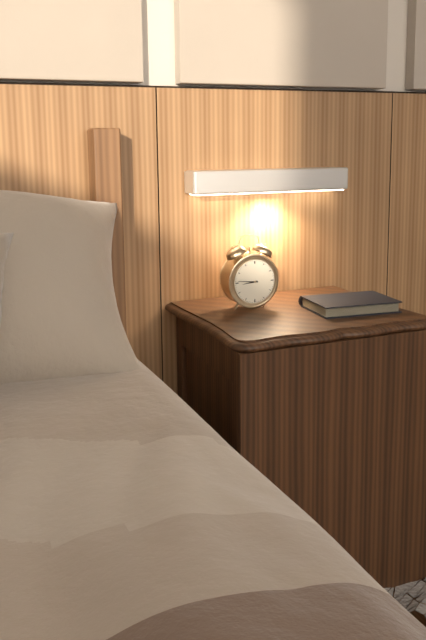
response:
h=8 m=46
